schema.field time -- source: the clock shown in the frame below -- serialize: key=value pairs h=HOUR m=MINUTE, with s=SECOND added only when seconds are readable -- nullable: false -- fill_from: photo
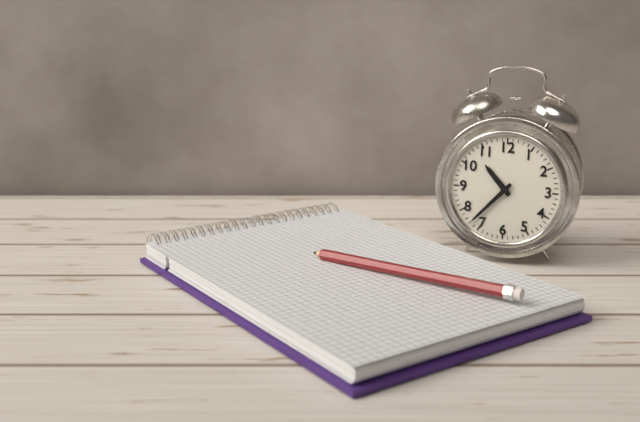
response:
h=10 m=37
